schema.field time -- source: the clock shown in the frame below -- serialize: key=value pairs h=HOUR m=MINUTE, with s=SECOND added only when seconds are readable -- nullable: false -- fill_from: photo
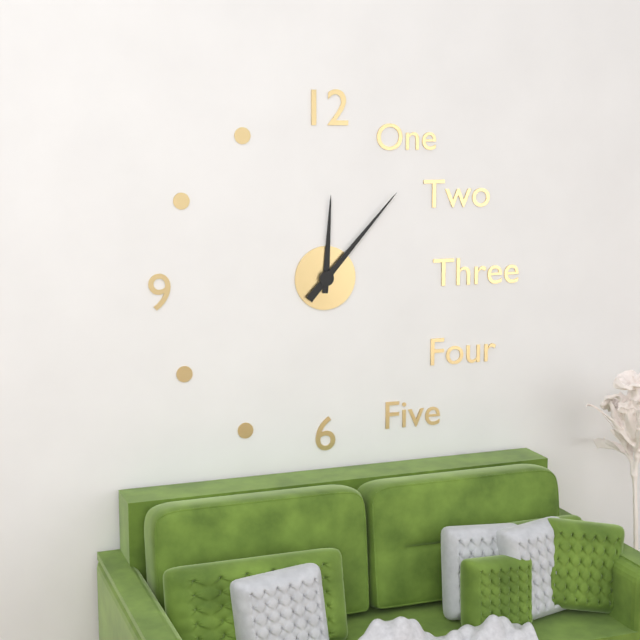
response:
h=12 m=7
